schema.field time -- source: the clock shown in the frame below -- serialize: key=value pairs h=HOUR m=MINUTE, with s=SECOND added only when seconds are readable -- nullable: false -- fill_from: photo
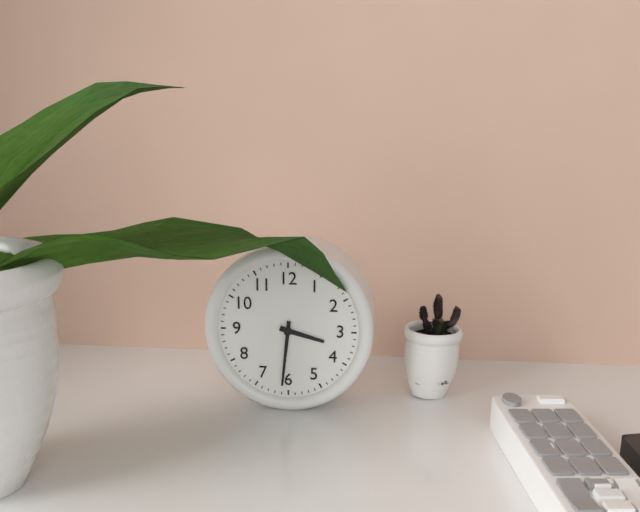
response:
h=3 m=31
